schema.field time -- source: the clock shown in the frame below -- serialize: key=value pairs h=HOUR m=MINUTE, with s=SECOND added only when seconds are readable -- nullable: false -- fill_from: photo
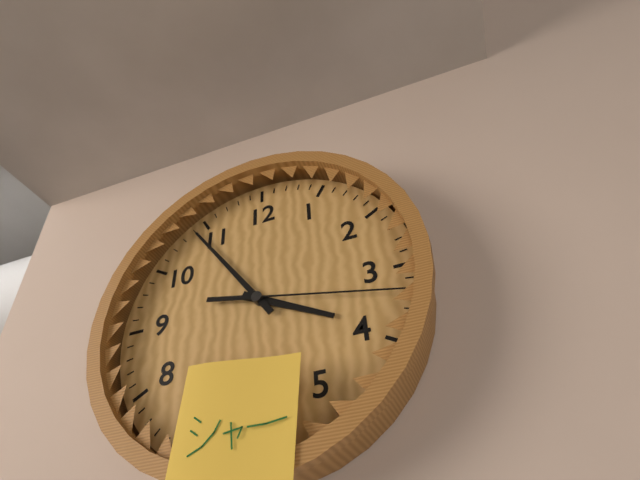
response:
h=3 m=54 s=17
